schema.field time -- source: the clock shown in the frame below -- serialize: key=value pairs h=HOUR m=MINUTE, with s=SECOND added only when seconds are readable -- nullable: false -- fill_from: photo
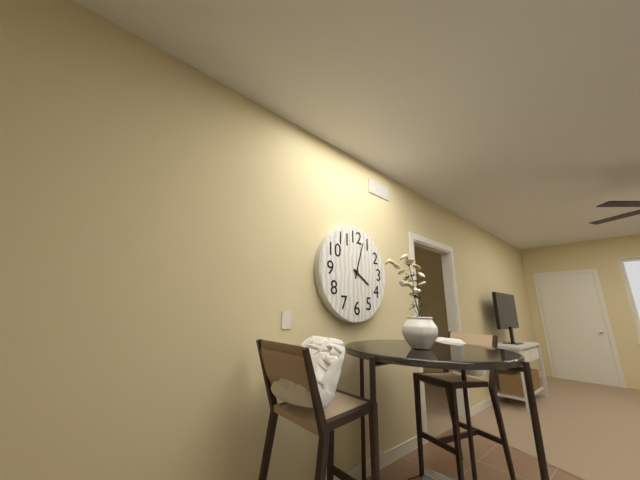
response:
h=4 m=3
